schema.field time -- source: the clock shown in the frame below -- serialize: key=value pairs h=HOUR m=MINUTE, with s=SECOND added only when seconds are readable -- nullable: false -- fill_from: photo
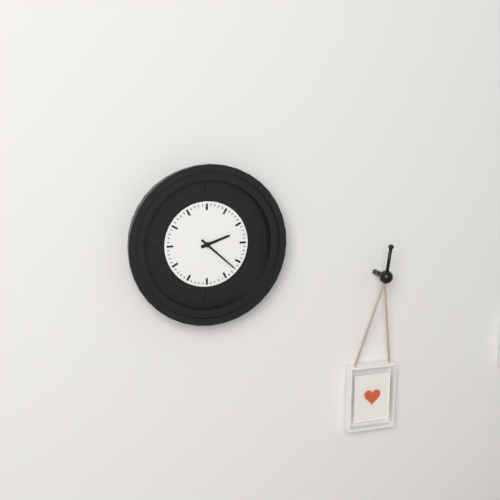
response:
h=2 m=22
